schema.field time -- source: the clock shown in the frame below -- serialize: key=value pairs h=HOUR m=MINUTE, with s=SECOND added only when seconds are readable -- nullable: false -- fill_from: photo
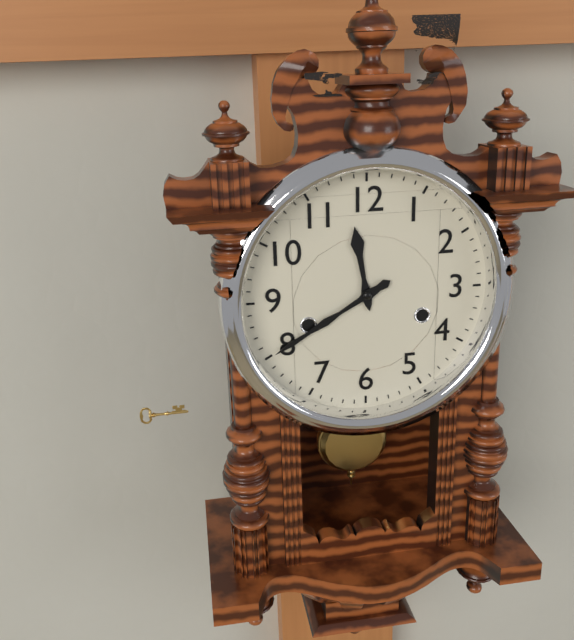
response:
h=11 m=40
